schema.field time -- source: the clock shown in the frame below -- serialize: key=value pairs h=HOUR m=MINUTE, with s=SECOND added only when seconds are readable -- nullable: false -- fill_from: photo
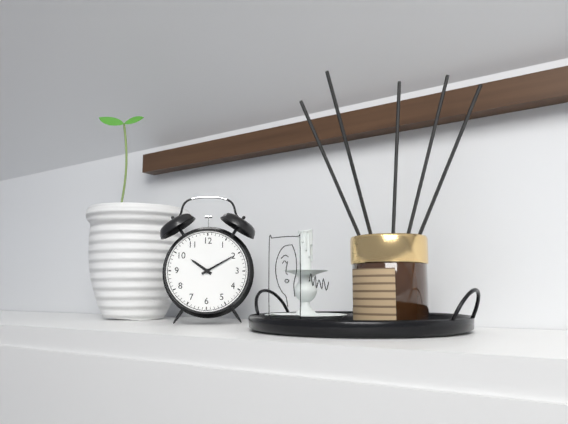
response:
h=10 m=10
